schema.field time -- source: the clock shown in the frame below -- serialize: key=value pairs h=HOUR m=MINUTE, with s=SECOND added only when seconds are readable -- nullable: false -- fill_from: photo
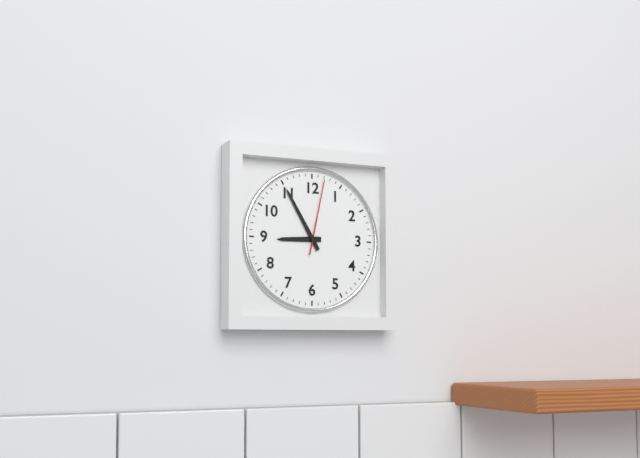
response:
h=8 m=55 s=2
